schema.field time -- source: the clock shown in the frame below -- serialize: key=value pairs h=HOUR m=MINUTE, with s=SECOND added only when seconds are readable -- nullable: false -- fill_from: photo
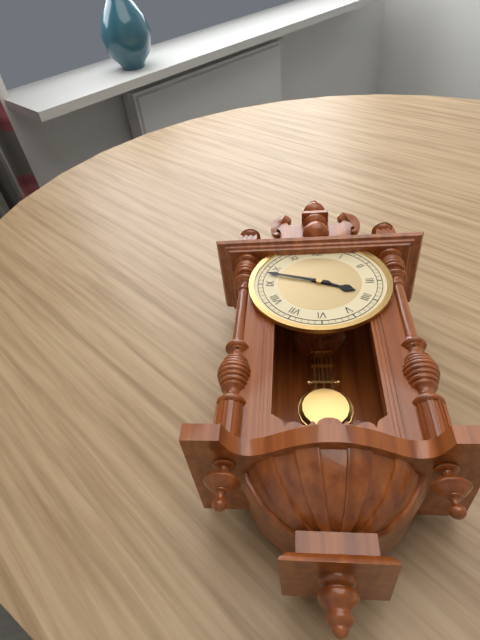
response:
h=3 m=48
